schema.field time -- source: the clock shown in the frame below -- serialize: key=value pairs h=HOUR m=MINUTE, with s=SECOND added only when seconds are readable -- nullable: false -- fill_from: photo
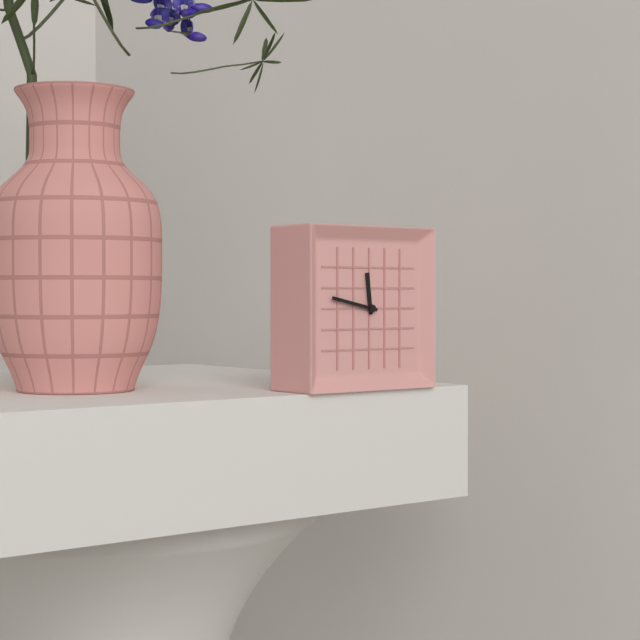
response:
h=11 m=47
